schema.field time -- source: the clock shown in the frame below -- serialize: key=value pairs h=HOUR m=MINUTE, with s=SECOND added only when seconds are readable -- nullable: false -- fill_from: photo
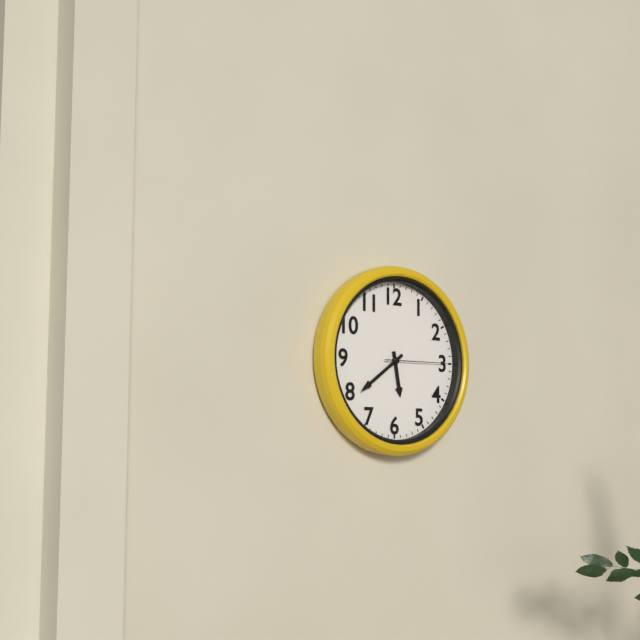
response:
h=5 m=39 s=15
